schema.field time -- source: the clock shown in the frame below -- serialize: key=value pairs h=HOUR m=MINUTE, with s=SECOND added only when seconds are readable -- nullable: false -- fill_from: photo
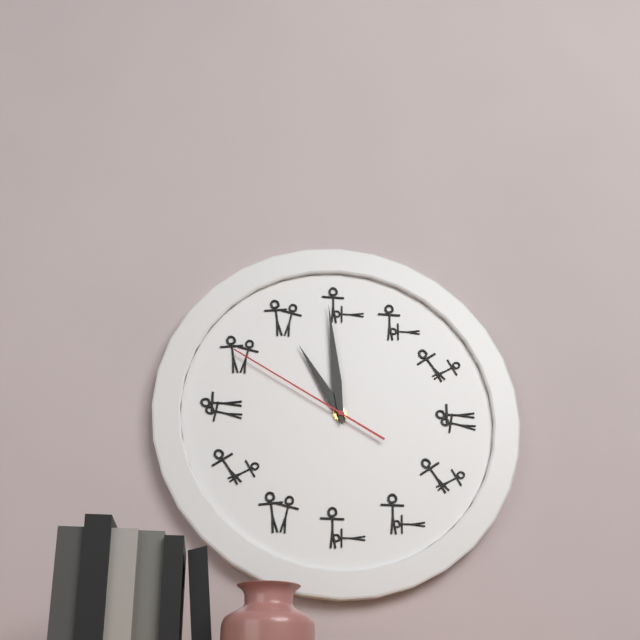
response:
h=10 m=59 s=50
